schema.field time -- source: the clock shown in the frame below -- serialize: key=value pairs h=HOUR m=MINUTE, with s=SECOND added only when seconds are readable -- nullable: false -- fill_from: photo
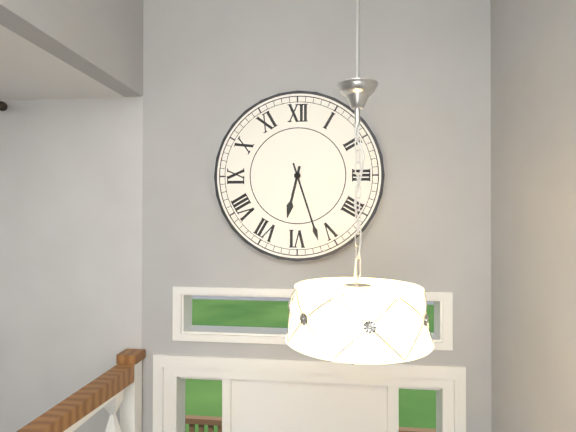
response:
h=6 m=27
